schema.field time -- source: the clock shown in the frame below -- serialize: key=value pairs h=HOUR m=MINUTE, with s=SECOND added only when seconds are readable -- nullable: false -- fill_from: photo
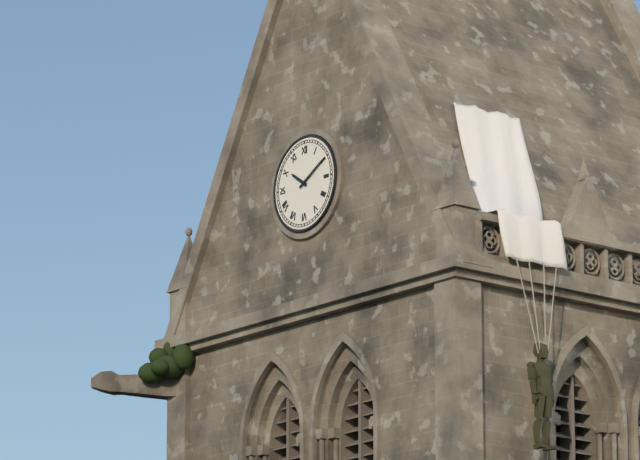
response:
h=10 m=10
